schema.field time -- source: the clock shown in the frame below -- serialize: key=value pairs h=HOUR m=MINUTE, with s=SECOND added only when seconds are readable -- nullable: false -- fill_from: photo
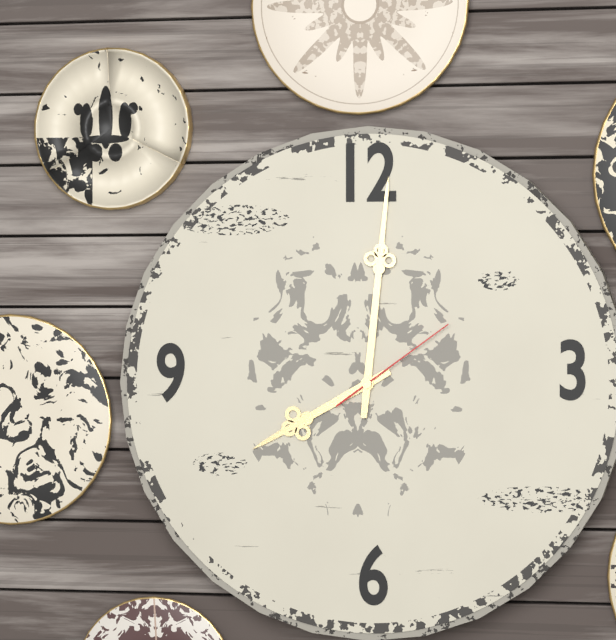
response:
h=8 m=1 s=9
